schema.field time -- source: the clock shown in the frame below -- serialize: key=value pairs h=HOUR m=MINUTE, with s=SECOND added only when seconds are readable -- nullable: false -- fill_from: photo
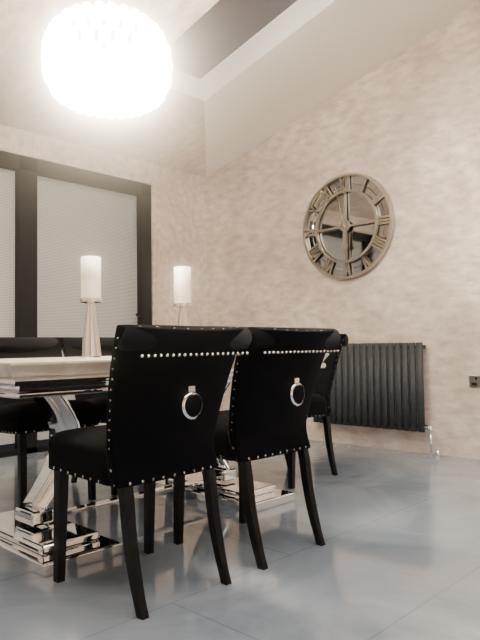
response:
h=5 m=58
